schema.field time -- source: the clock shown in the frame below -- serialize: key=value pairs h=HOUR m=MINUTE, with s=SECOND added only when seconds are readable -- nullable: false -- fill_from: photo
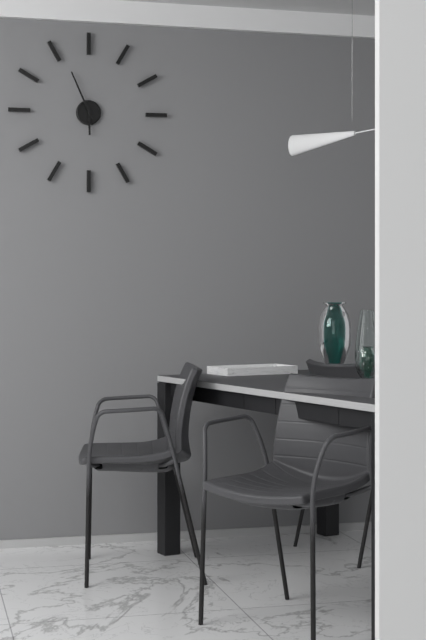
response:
h=5 m=56
